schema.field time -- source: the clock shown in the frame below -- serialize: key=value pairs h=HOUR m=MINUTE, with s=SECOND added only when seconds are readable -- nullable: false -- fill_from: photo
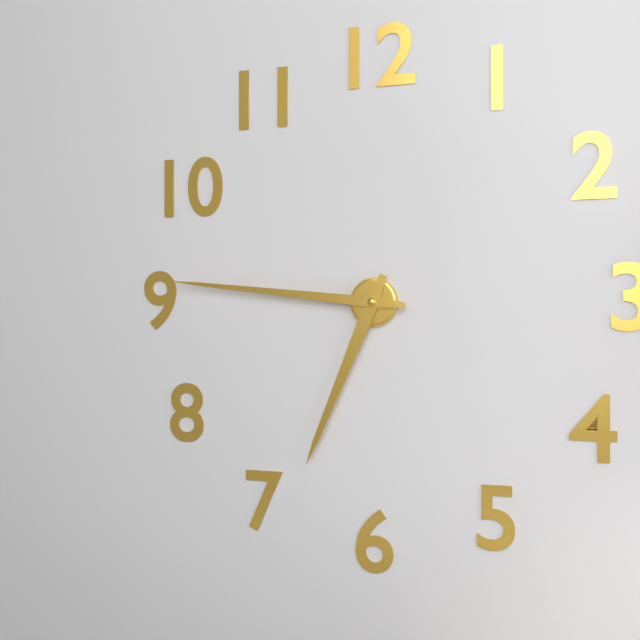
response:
h=6 m=46
